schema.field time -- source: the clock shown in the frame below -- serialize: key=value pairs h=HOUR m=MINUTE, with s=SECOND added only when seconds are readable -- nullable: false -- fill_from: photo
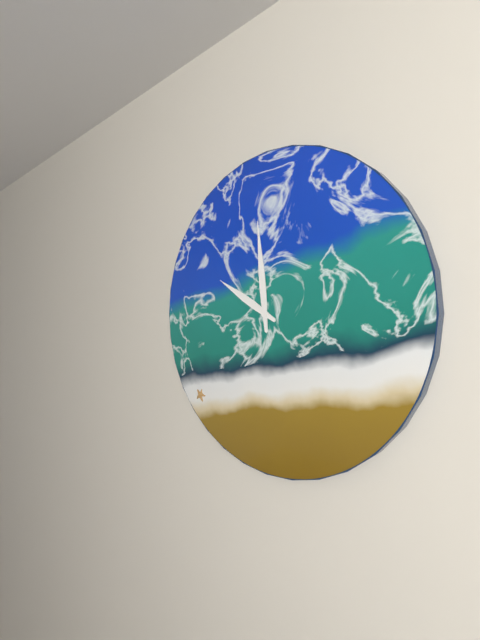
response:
h=9 m=59
